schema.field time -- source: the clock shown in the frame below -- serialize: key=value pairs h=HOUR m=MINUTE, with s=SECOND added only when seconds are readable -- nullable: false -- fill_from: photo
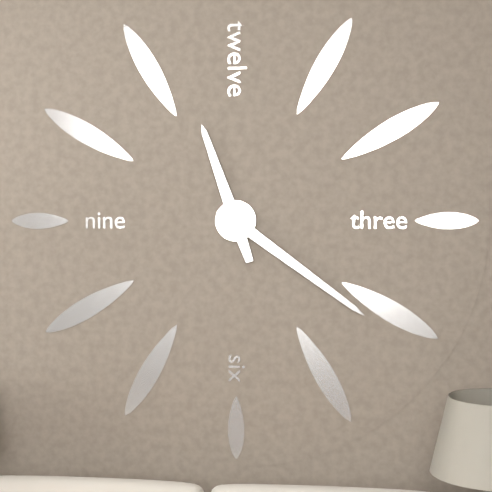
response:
h=11 m=21
